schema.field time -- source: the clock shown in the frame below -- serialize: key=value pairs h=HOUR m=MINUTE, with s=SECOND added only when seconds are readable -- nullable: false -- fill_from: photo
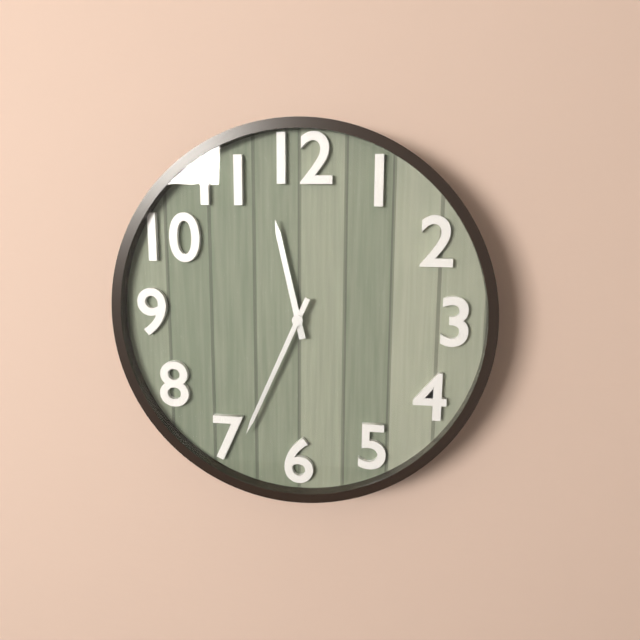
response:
h=11 m=34
